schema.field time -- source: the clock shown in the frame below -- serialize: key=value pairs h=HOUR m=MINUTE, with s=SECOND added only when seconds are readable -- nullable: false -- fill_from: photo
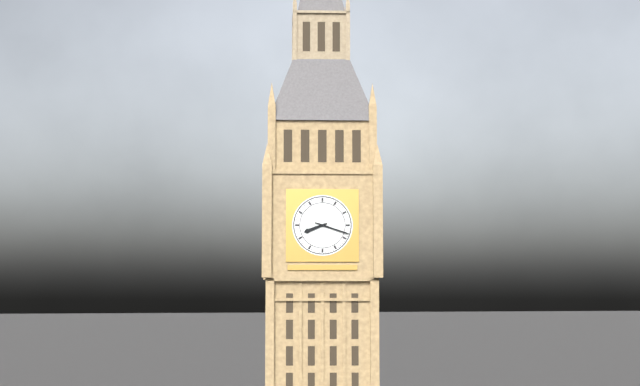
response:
h=8 m=18
